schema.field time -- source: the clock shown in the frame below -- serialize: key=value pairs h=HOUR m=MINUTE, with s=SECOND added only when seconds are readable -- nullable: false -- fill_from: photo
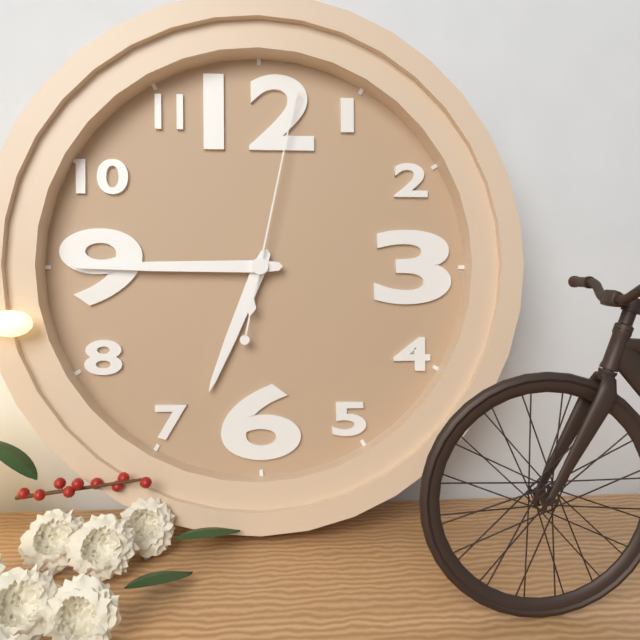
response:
h=6 m=45 s=2
